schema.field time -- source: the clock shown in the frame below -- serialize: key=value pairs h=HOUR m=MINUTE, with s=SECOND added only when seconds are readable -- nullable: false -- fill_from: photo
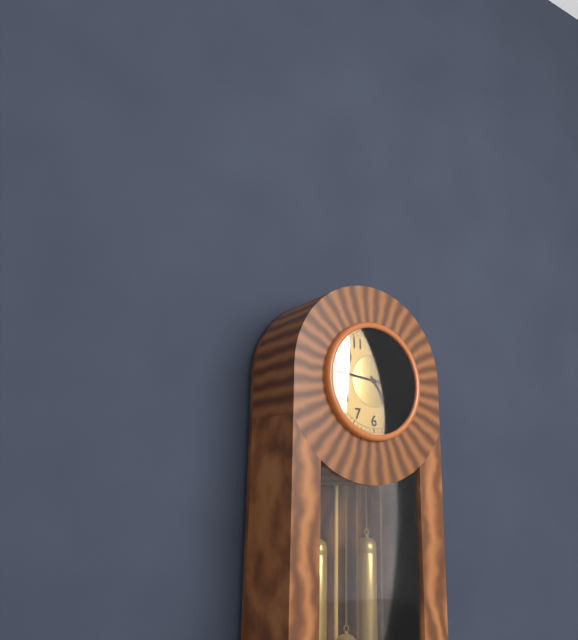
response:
h=4 m=46
